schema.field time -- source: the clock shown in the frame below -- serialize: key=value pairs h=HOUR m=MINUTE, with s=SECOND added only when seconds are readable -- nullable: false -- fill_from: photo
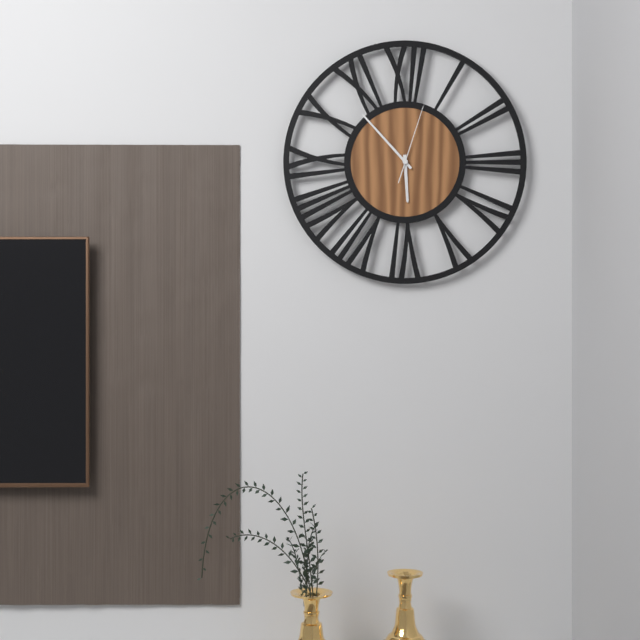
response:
h=5 m=53 s=3
